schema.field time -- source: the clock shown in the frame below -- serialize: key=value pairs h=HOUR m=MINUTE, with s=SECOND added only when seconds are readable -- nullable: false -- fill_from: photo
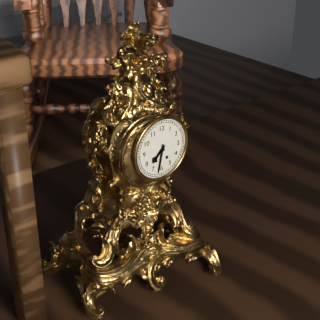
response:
h=7 m=32
